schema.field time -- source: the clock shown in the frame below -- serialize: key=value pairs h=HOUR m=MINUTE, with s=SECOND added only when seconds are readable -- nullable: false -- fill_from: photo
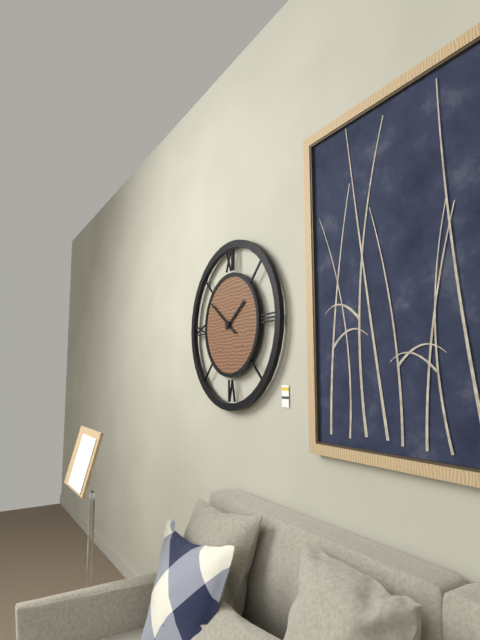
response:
h=1 m=51
